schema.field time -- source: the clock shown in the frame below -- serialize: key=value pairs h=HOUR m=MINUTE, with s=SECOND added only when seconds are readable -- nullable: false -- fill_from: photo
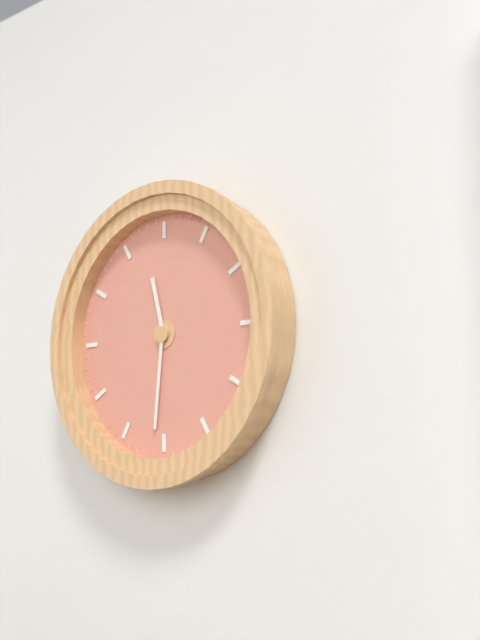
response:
h=11 m=31
